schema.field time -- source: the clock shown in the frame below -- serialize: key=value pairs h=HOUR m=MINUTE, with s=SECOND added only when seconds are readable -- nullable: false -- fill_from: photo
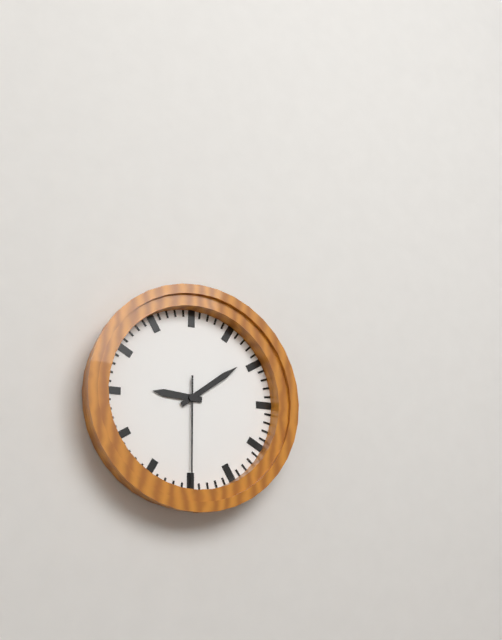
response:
h=9 m=9 s=30
